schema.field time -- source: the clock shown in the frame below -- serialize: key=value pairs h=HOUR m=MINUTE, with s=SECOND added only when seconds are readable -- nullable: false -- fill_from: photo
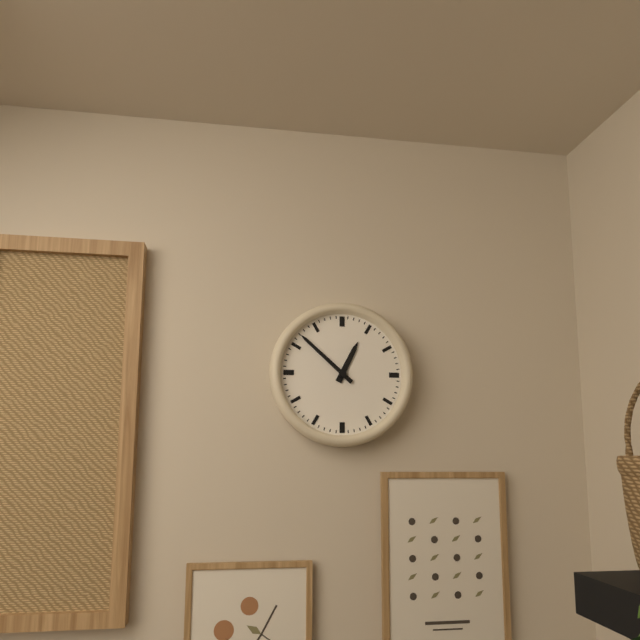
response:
h=12 m=52
